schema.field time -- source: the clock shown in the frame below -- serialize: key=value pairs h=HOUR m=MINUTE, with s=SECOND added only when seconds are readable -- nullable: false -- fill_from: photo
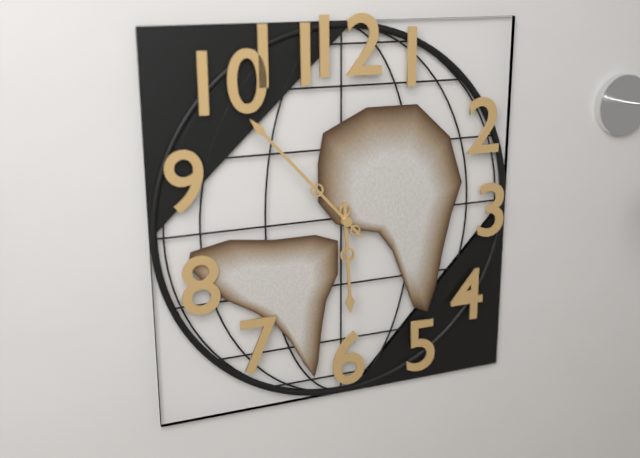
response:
h=5 m=53
